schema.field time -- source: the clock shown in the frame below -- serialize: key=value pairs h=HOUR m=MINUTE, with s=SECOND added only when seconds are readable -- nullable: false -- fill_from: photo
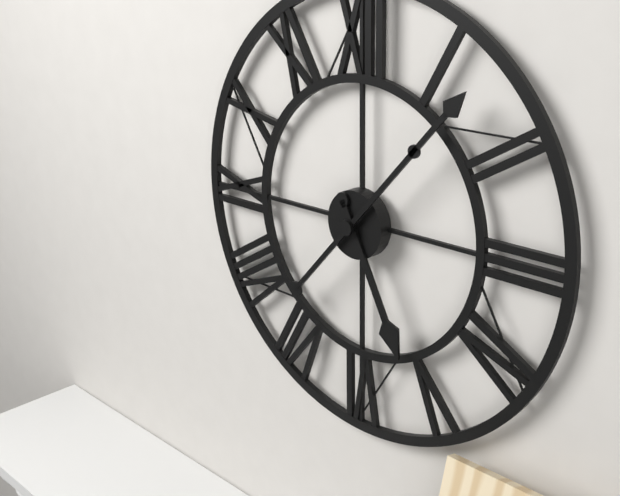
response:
h=5 m=7
